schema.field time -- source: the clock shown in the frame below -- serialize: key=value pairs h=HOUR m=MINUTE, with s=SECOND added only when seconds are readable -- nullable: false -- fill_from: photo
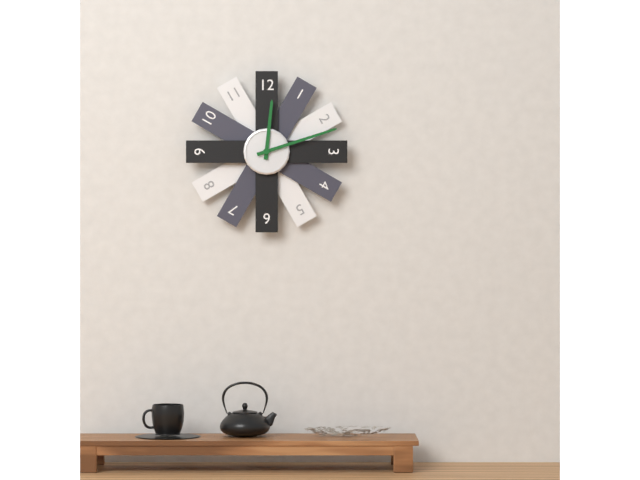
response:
h=12 m=12
